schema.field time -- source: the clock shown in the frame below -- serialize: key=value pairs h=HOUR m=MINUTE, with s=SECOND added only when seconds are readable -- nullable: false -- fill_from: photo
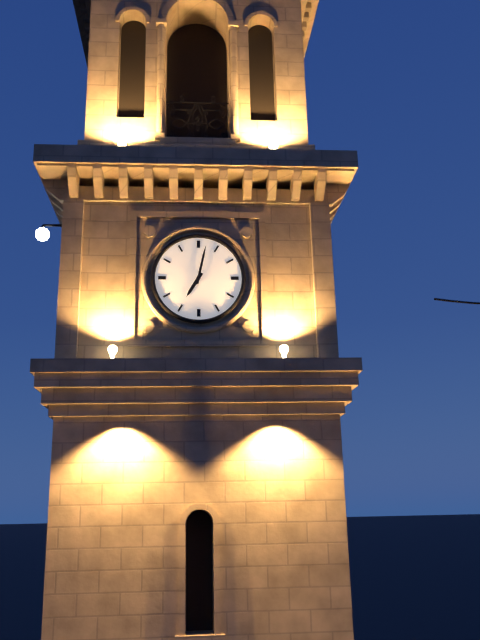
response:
h=7 m=2
